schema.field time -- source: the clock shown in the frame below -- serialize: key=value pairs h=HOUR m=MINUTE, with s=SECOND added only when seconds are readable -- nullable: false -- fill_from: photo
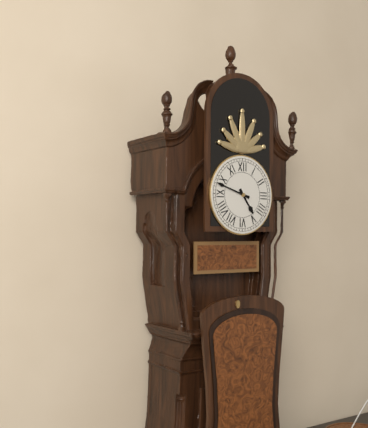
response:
h=4 m=48
